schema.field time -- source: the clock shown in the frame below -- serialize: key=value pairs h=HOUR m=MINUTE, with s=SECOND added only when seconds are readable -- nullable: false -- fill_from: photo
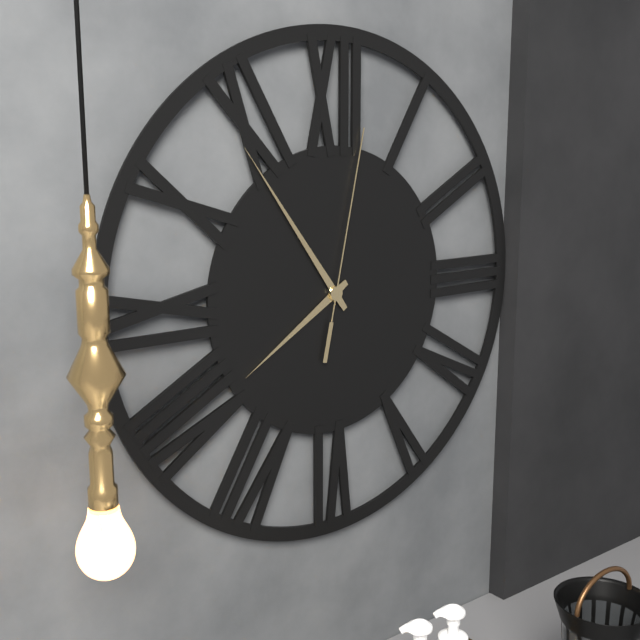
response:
h=7 m=54 s=2
